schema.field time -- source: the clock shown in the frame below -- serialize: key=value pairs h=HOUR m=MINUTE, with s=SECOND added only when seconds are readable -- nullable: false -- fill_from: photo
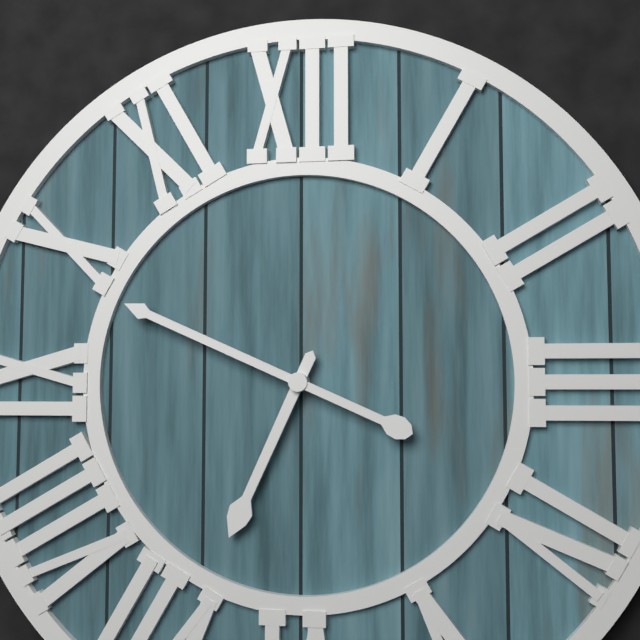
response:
h=6 m=49
